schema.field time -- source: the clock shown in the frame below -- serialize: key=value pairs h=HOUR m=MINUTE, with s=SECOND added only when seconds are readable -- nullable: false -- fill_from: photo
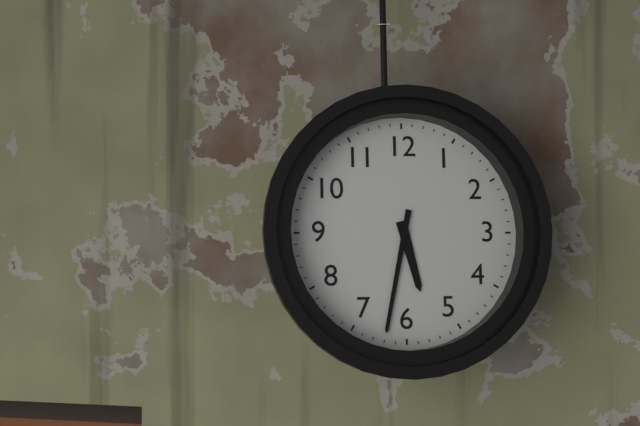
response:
h=5 m=32
